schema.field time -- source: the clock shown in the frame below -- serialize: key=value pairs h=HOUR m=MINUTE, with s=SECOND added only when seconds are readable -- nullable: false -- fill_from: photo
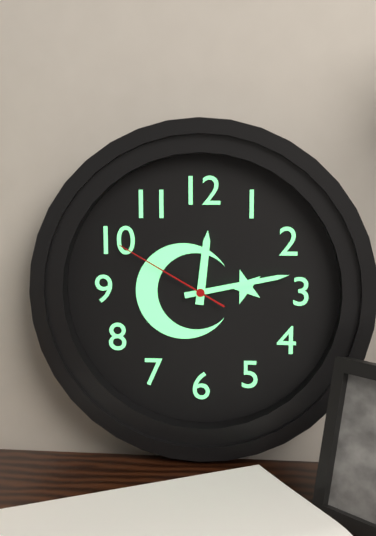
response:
h=12 m=13 s=50
